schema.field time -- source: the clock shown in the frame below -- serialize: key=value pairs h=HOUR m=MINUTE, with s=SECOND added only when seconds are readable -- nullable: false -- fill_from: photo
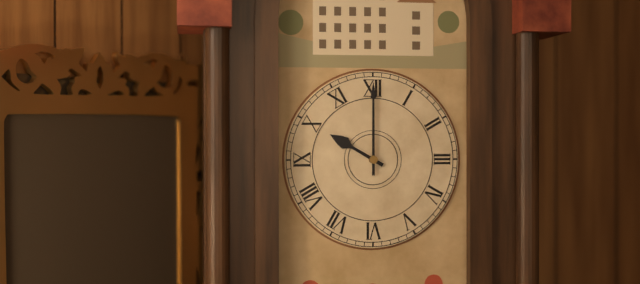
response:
h=10 m=0
